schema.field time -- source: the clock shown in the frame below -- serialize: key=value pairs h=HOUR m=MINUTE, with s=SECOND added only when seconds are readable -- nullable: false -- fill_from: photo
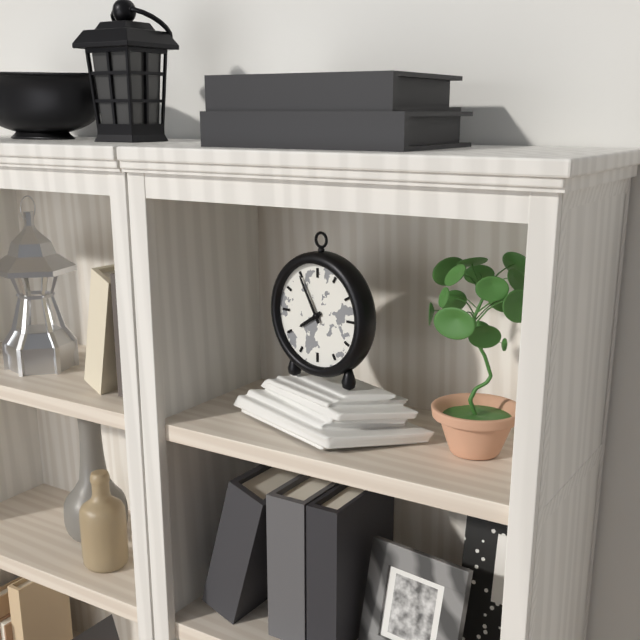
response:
h=7 m=55
